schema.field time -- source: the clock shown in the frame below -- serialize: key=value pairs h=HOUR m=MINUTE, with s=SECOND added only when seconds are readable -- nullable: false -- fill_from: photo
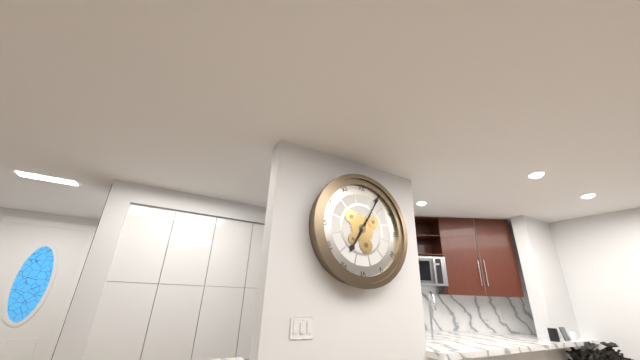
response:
h=7 m=5
